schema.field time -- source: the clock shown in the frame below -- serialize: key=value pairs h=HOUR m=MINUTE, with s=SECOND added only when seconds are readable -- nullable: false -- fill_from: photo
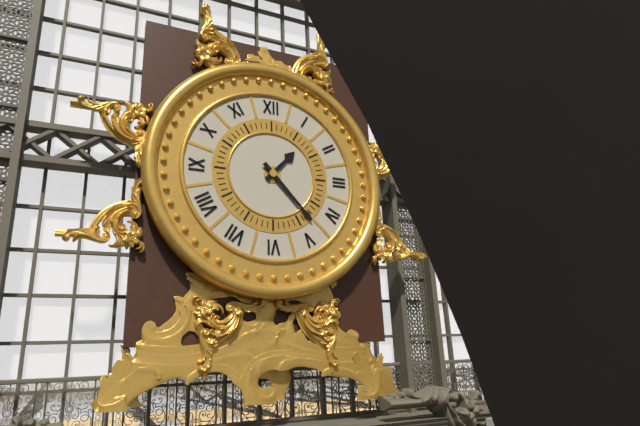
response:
h=1 m=23
